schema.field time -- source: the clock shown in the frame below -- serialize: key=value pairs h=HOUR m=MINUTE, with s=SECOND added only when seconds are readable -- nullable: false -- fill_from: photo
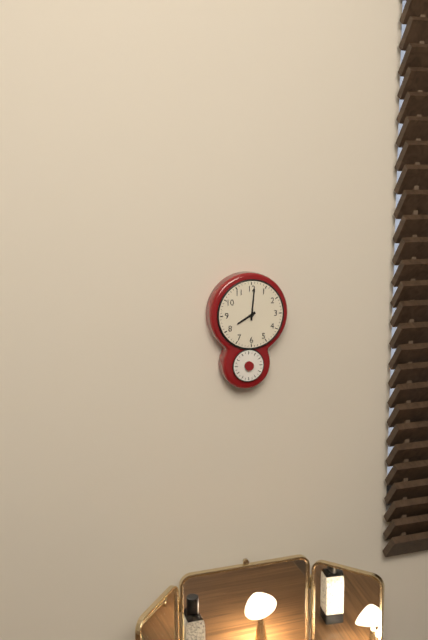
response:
h=8 m=1
